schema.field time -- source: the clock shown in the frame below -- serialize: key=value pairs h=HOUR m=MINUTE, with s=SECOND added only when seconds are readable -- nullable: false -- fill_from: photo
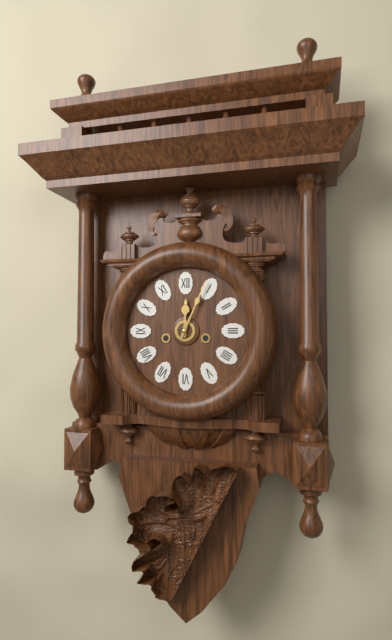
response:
h=12 m=4
